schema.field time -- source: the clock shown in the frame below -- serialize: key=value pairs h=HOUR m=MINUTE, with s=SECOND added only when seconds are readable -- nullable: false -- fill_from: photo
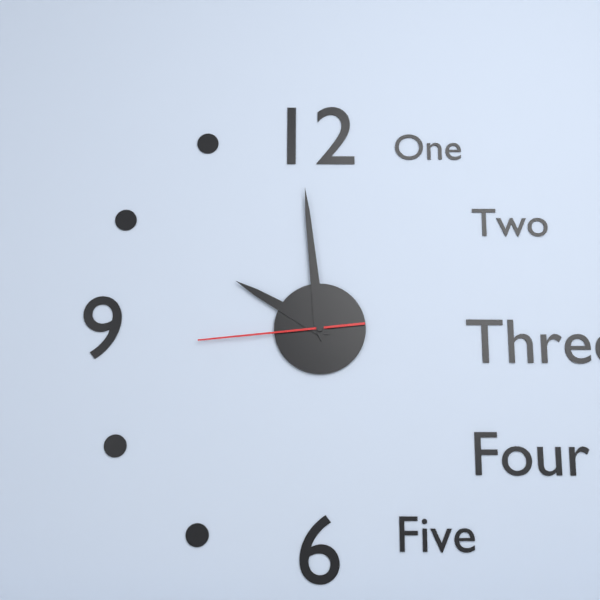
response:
h=9 m=59 s=44
